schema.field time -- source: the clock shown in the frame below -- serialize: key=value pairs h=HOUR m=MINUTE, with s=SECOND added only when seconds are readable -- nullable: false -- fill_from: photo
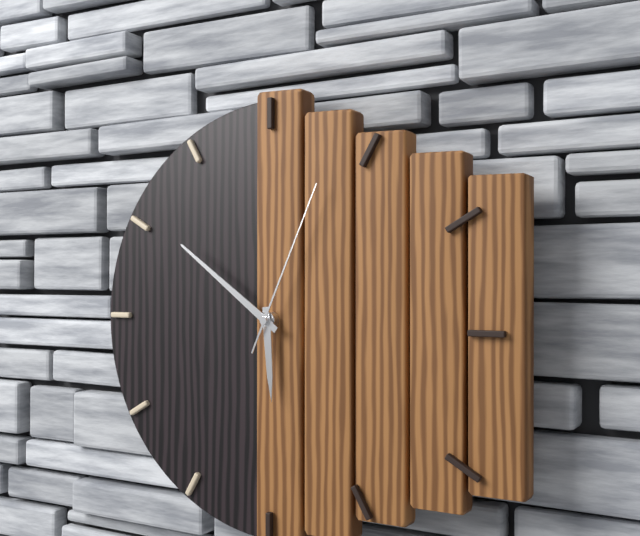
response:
h=5 m=51 s=4
